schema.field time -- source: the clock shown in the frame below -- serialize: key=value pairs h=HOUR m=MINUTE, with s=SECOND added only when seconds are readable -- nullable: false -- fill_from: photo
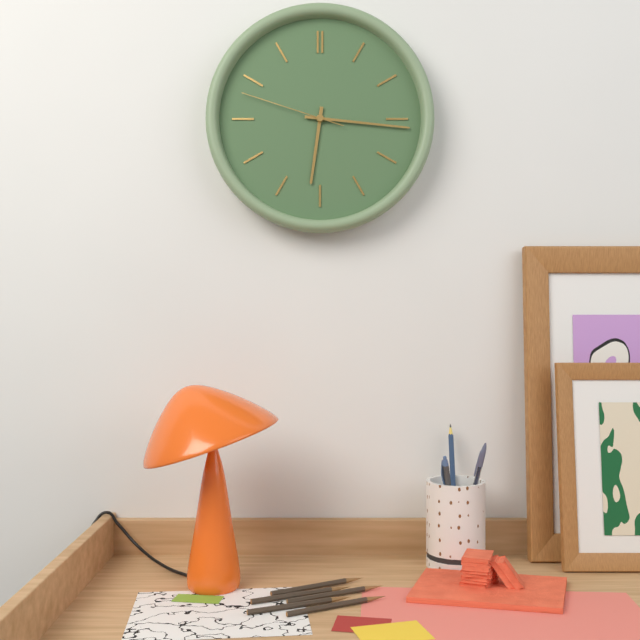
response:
h=6 m=16 s=48
